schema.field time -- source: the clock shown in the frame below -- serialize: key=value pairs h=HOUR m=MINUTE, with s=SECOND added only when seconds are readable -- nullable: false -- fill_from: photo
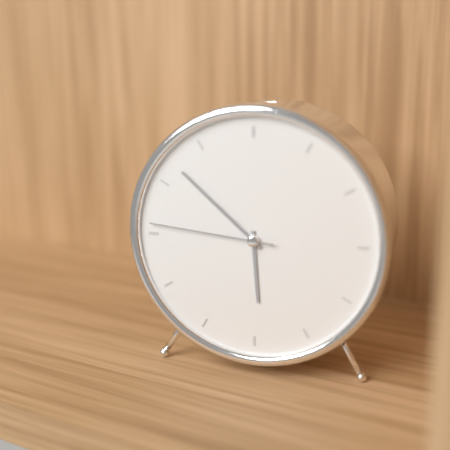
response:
h=5 m=52 s=46
